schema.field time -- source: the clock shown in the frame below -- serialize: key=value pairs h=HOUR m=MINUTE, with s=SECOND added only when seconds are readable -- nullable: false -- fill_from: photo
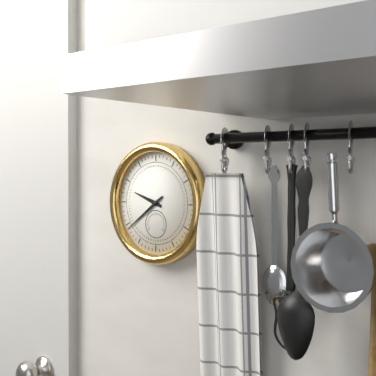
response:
h=9 m=39
